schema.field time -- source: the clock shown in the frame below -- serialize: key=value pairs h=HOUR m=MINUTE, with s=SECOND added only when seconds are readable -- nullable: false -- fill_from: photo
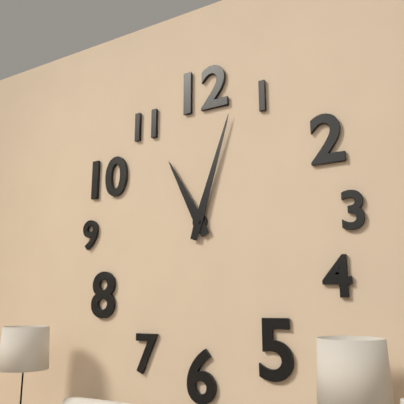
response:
h=11 m=3
